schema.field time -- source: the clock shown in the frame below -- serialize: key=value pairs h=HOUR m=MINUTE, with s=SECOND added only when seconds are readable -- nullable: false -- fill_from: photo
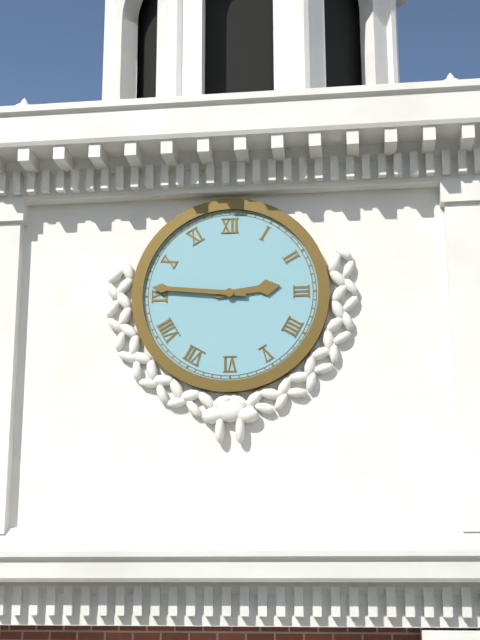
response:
h=2 m=46
